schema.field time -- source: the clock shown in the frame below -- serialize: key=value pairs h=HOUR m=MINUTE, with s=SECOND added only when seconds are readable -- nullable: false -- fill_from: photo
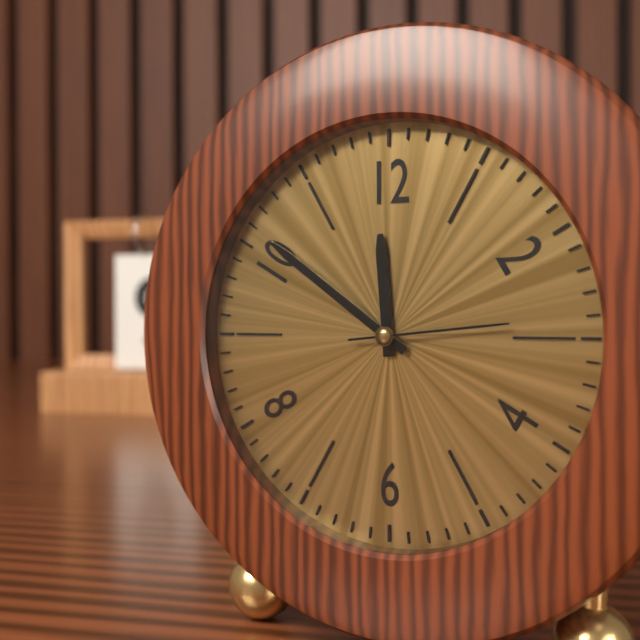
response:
h=11 m=51 s=14
